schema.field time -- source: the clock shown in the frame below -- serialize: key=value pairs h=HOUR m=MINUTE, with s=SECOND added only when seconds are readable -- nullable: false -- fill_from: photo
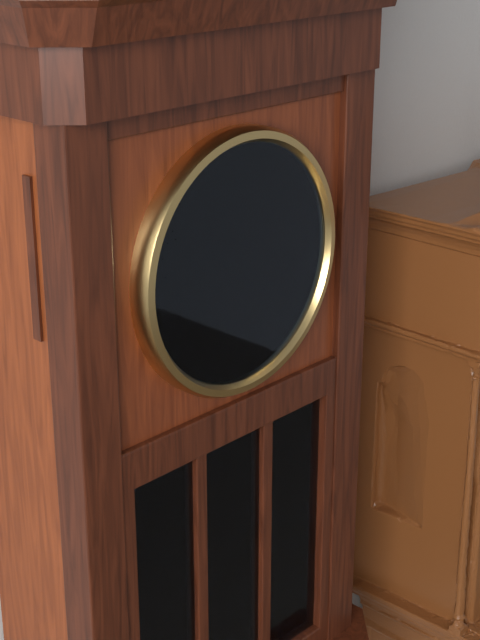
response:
h=12 m=25
